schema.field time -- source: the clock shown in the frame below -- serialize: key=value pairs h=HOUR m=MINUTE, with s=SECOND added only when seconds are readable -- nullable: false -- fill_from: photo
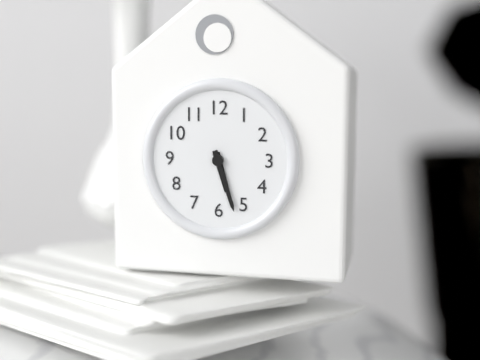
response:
h=5 m=27
